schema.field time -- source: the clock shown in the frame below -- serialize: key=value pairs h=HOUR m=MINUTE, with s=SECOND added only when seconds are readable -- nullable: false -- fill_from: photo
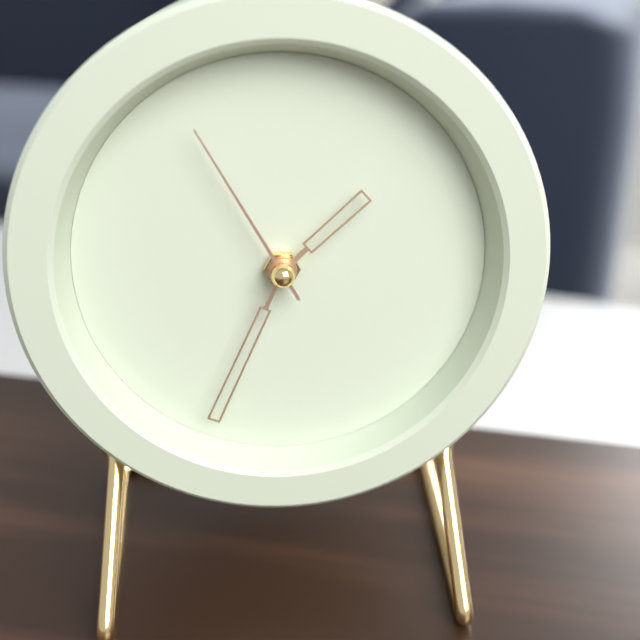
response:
h=1 m=34 s=55
